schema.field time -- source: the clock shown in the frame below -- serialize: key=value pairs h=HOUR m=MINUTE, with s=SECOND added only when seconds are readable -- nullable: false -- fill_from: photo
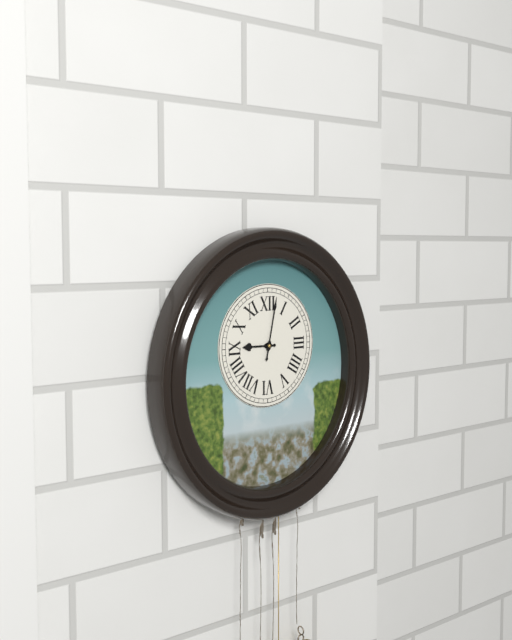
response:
h=9 m=2
